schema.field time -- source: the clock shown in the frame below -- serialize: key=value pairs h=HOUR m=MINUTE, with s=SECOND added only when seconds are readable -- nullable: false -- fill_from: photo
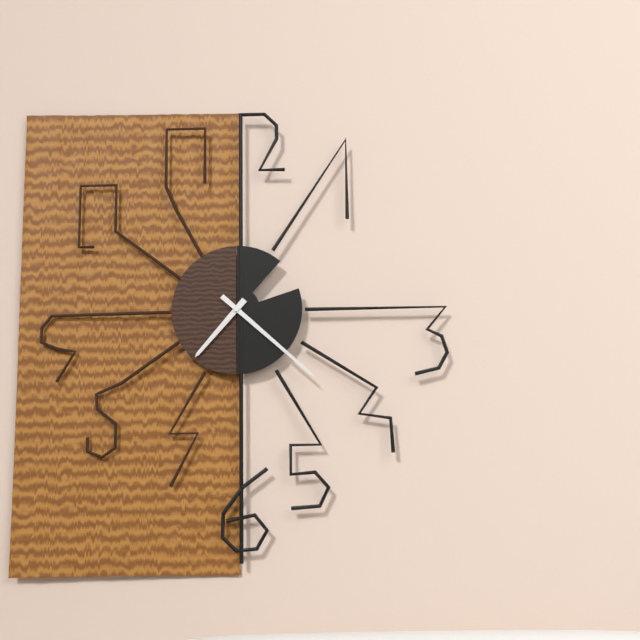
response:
h=7 m=22
